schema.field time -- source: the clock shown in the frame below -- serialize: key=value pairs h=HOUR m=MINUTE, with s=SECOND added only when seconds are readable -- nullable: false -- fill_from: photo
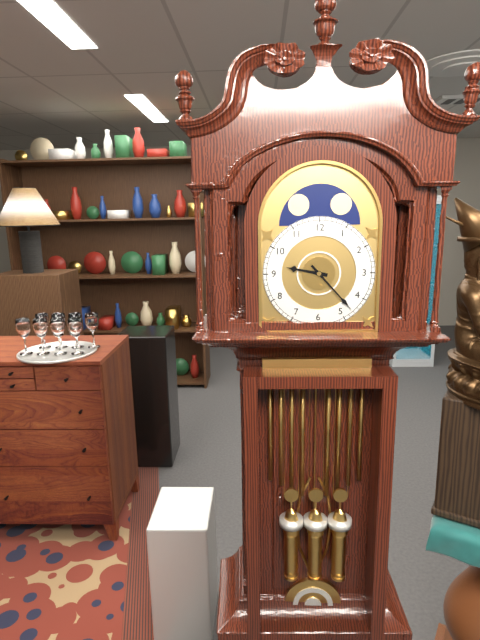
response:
h=9 m=23
